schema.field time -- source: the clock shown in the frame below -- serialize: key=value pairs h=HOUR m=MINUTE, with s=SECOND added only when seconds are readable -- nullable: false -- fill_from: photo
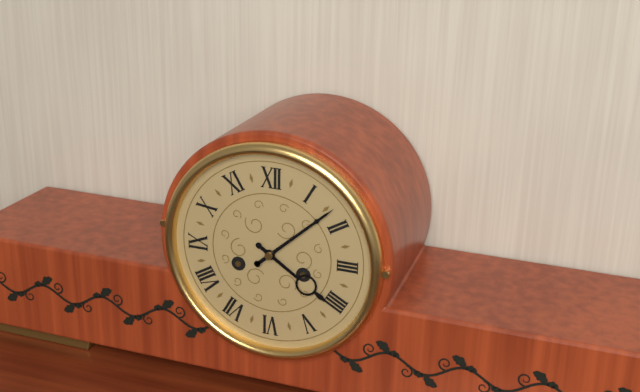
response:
h=4 m=8
